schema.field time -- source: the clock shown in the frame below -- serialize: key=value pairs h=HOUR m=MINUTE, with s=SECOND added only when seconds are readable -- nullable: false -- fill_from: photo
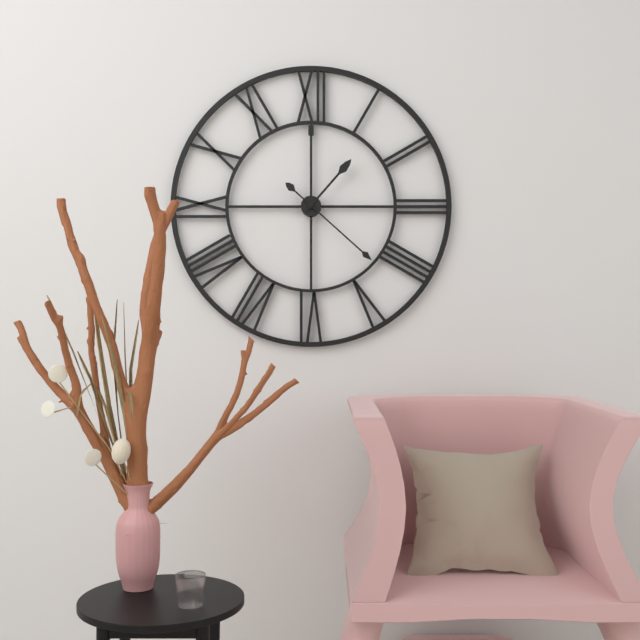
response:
h=1 m=22
